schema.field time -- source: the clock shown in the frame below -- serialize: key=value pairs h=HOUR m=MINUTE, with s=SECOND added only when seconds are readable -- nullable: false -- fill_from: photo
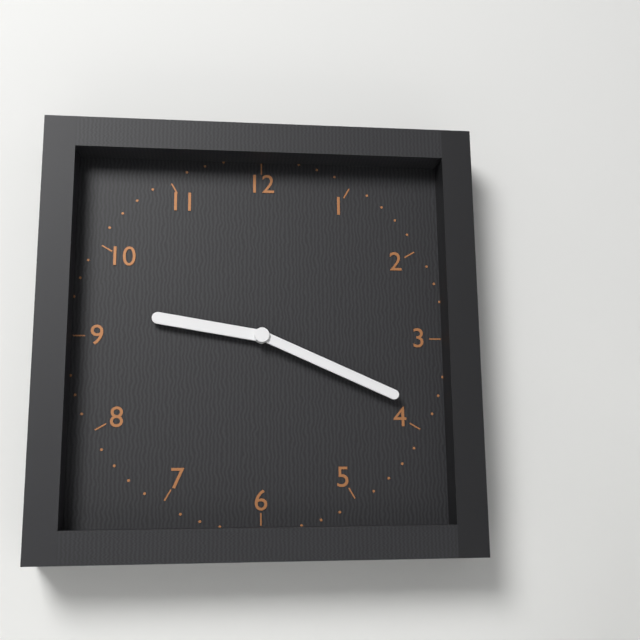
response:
h=9 m=19
